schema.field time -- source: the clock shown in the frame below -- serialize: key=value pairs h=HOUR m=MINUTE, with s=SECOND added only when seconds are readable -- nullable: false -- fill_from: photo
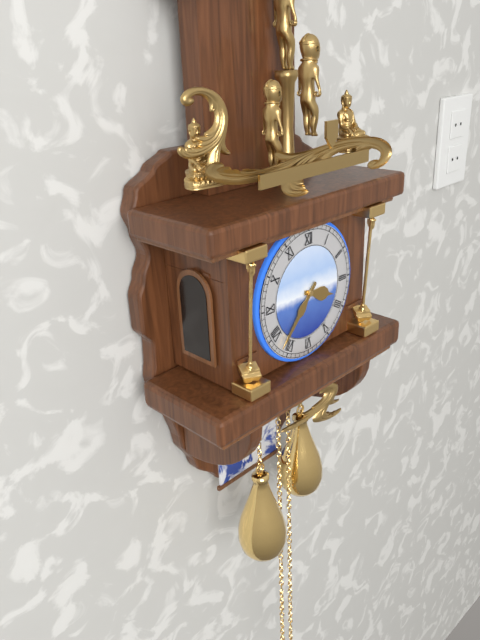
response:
h=3 m=37
